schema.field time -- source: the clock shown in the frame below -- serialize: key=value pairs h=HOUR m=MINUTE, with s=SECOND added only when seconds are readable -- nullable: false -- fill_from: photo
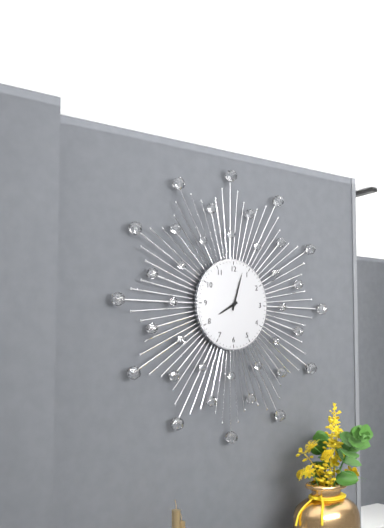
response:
h=8 m=3
